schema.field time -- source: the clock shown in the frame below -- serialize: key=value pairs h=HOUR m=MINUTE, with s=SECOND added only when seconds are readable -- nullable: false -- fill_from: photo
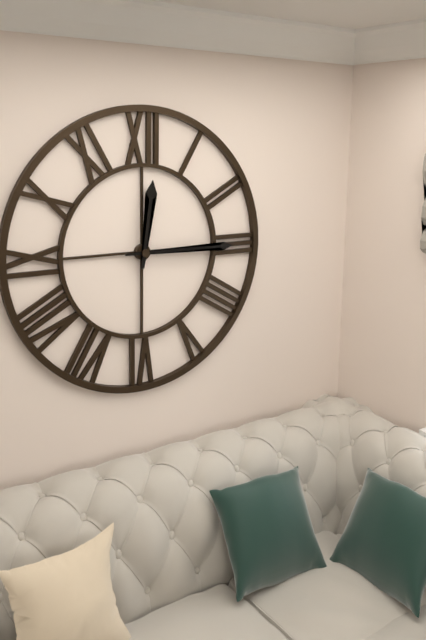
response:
h=12 m=15
